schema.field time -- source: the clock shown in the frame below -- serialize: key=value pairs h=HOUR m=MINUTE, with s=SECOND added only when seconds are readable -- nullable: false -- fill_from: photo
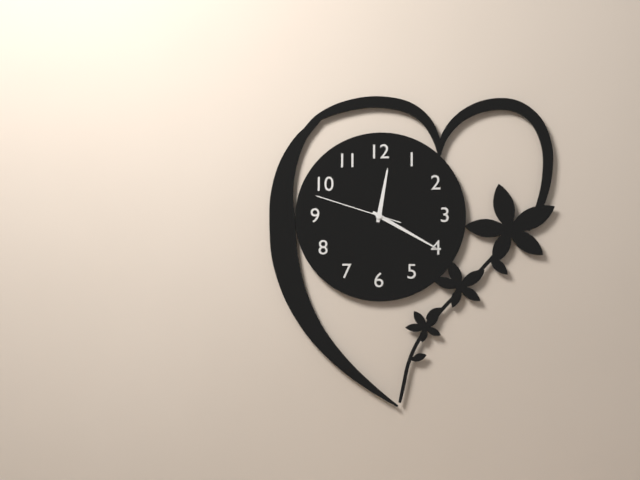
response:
h=12 m=20 s=48
